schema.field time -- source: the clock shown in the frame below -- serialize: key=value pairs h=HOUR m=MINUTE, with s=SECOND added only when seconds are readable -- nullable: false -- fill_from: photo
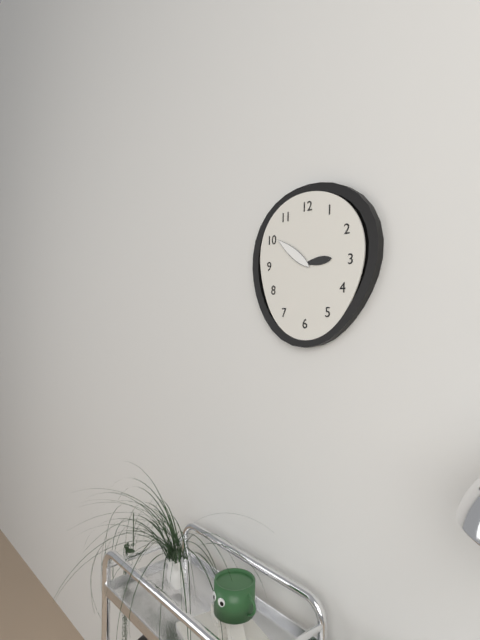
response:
h=2 m=51
